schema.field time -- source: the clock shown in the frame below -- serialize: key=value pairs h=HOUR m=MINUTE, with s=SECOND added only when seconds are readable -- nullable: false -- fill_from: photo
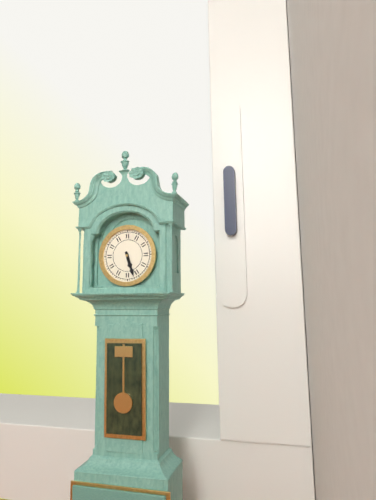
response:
h=5 m=27
